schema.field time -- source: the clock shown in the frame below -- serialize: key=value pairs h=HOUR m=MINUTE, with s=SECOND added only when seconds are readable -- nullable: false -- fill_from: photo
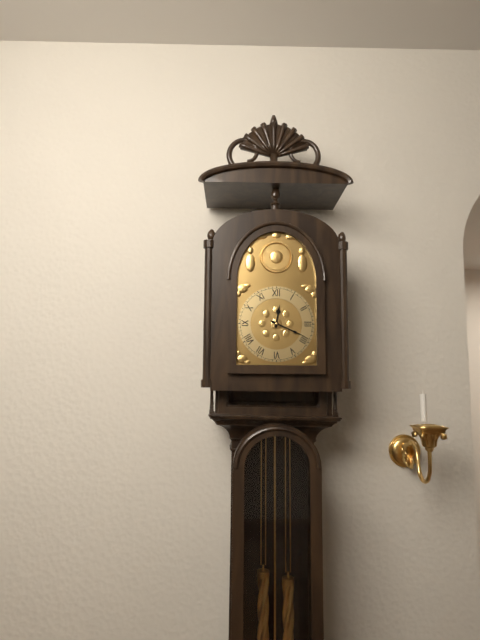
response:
h=12 m=19
